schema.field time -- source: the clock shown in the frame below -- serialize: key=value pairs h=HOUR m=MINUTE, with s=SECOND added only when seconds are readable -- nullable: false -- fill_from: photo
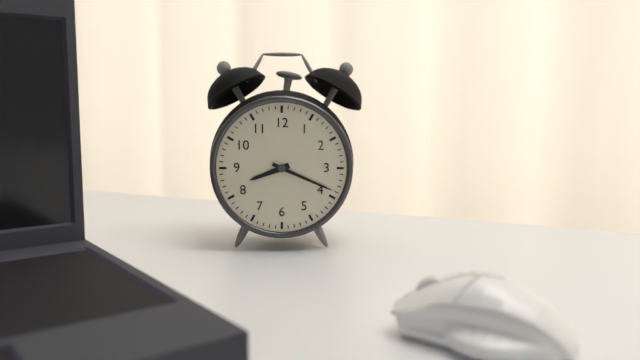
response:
h=8 m=19
